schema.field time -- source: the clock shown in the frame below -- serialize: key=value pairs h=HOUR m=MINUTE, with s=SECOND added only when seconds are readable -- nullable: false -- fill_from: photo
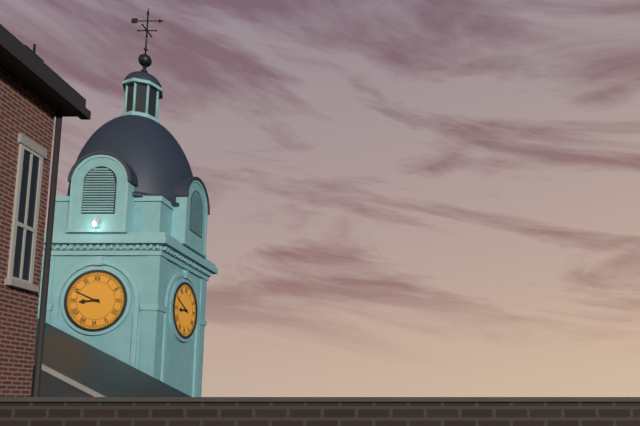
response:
h=8 m=49
